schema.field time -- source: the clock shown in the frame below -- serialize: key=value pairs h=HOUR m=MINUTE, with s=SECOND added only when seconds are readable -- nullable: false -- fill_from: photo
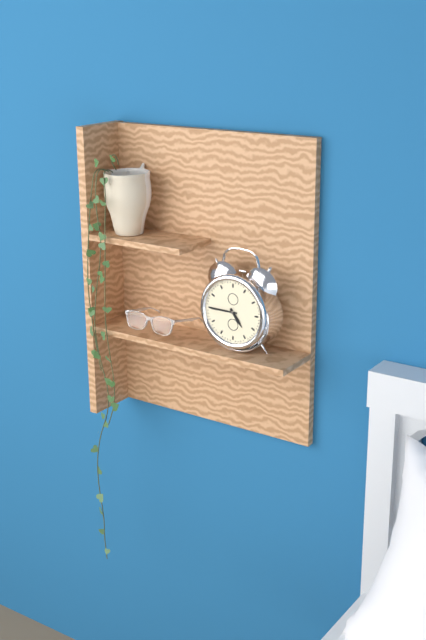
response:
h=4 m=45
